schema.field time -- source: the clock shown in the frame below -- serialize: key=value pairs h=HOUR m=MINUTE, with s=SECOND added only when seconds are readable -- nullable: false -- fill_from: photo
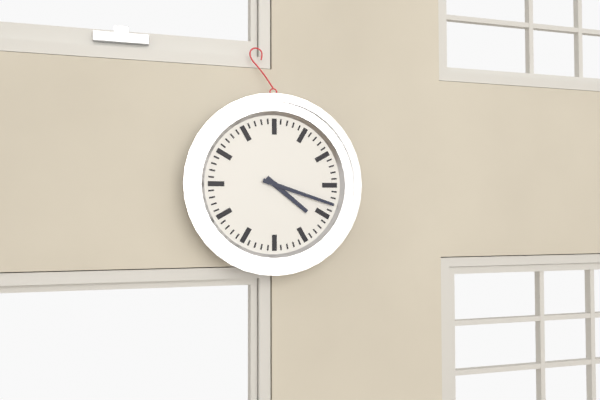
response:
h=4 m=18
